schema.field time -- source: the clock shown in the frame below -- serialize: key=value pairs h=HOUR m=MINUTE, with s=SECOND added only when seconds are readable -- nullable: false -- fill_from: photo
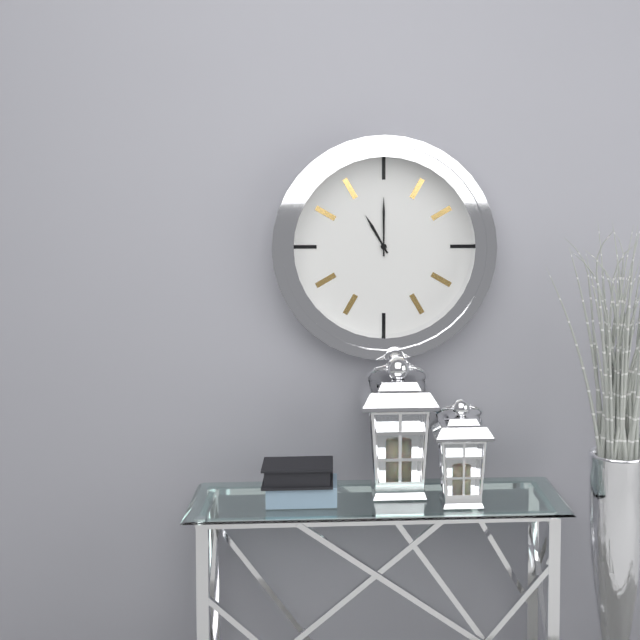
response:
h=11 m=0
